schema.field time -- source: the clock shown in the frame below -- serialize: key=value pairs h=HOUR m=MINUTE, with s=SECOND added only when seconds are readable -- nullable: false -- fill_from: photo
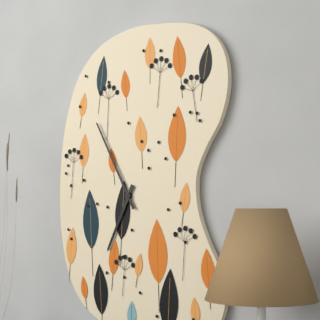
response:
h=6 m=55
